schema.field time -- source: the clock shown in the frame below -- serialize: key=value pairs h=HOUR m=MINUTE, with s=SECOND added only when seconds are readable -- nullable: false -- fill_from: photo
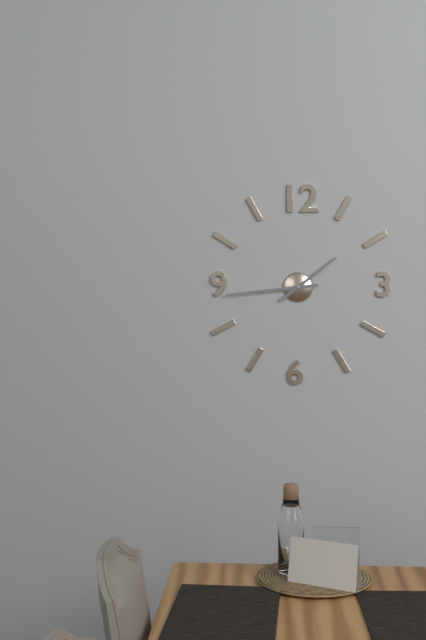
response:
h=1 m=44
